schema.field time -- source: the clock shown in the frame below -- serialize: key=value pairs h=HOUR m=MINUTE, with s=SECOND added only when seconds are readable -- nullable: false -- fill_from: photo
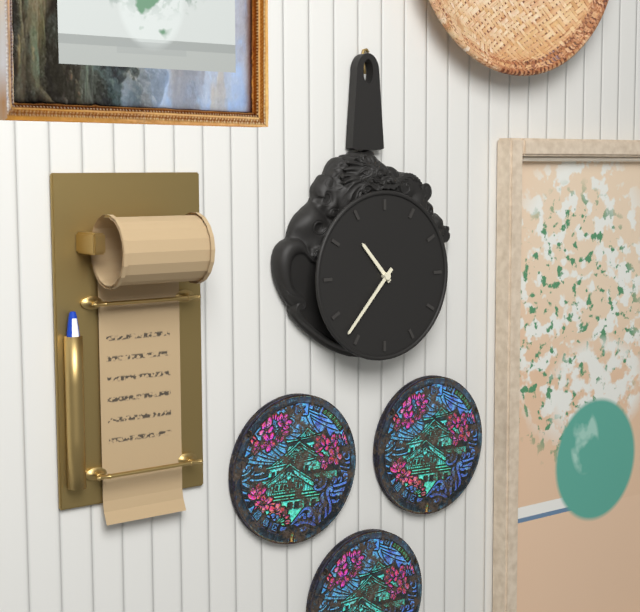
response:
h=10 m=37
